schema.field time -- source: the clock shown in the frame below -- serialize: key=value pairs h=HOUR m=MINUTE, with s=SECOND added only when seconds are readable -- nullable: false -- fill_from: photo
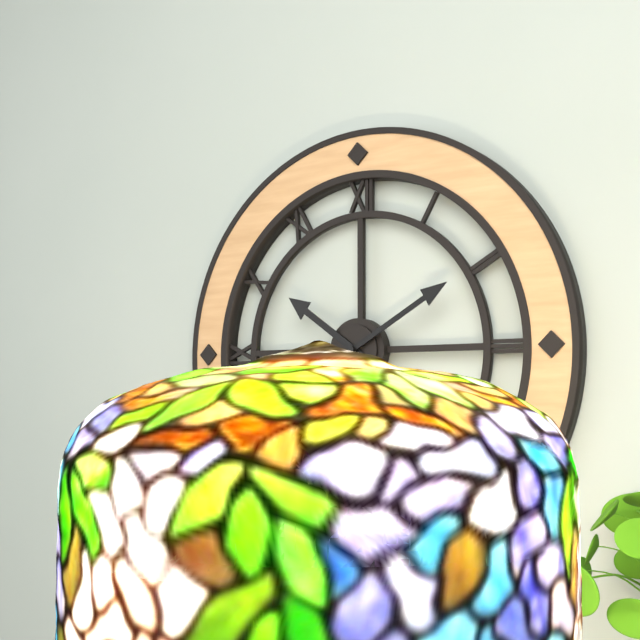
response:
h=10 m=10
